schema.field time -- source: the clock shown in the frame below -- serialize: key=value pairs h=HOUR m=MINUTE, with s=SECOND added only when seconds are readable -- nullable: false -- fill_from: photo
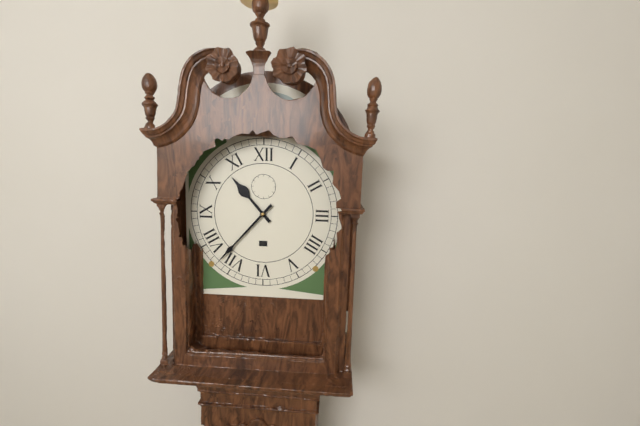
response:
h=10 m=37
